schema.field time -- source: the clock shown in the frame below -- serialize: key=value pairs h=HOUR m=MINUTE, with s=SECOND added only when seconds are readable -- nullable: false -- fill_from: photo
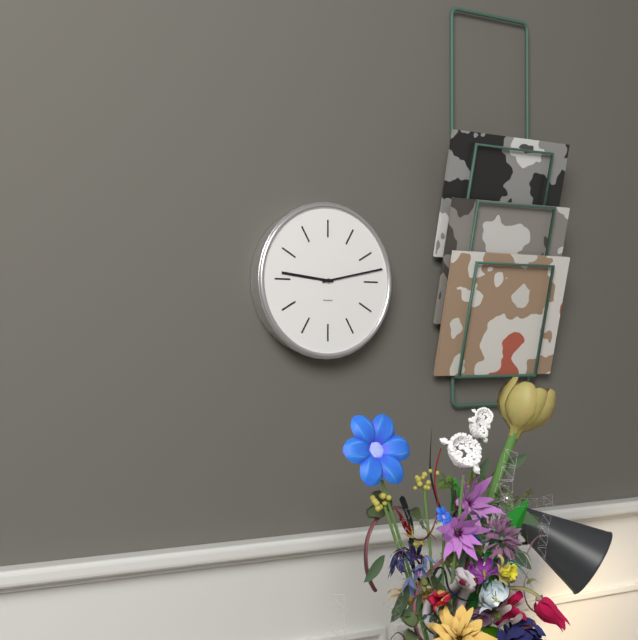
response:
h=9 m=13
